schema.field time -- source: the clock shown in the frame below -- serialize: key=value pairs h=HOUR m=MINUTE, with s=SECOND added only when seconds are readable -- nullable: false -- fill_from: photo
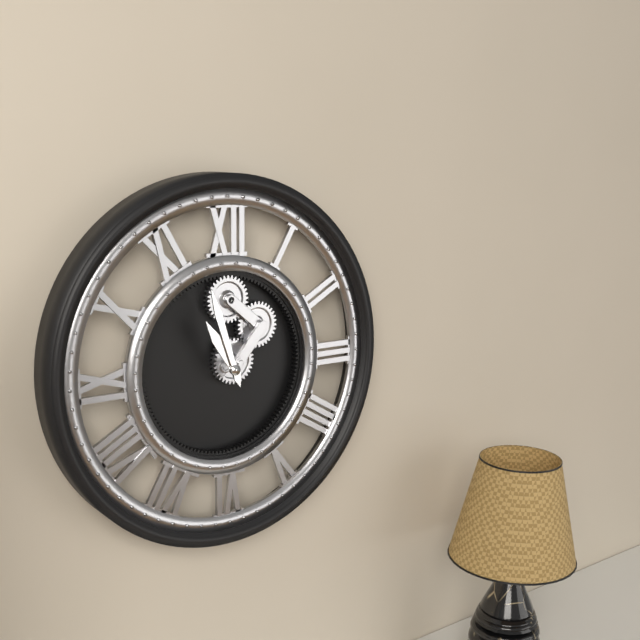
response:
h=10 m=57
